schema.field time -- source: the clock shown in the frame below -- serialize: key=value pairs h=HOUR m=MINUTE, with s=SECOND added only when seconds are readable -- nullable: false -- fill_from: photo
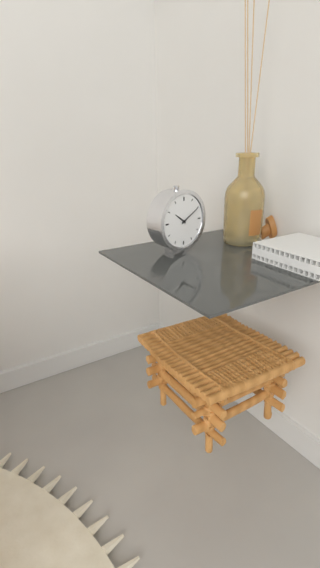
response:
h=10 m=10
